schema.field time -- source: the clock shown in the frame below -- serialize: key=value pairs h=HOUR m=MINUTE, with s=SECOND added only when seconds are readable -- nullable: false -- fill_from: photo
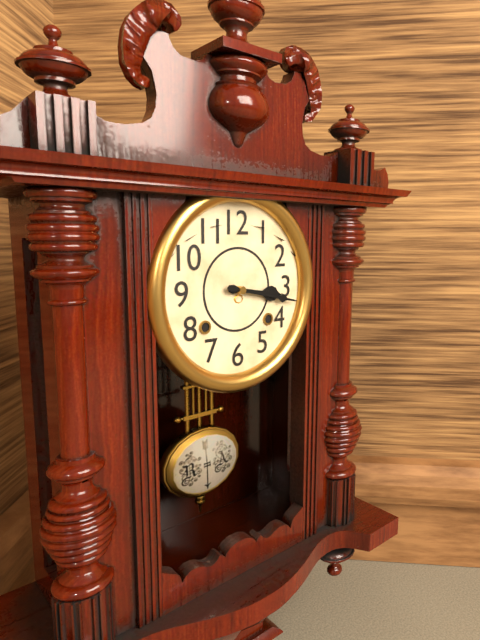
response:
h=3 m=17
